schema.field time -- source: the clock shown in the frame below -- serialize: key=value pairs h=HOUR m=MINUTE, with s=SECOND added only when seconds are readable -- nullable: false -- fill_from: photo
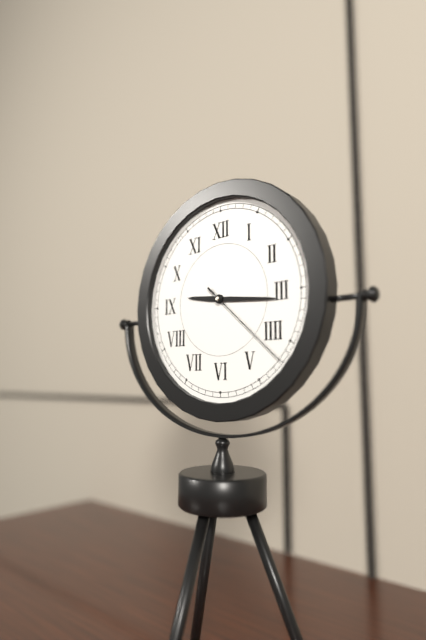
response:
h=9 m=16 s=22
